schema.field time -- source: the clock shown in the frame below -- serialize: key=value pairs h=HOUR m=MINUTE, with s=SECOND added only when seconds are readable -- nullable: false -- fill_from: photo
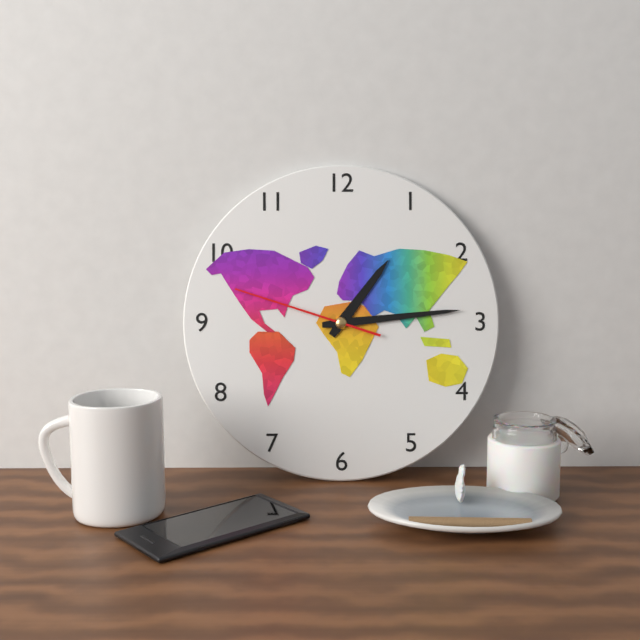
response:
h=1 m=14 s=48
